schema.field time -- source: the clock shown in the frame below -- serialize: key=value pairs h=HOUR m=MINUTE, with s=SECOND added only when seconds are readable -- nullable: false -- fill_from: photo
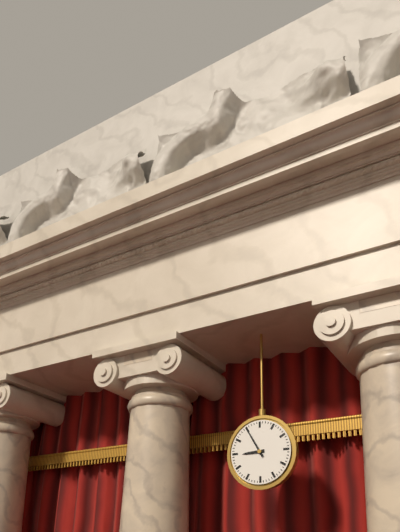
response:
h=8 m=55
